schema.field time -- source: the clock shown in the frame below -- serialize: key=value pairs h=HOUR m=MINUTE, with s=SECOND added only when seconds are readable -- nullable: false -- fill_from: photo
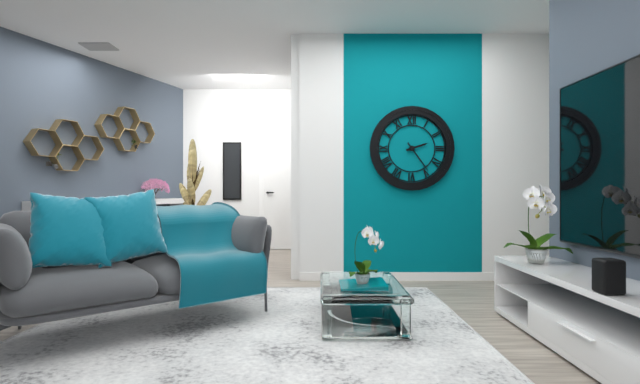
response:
h=2 m=24
